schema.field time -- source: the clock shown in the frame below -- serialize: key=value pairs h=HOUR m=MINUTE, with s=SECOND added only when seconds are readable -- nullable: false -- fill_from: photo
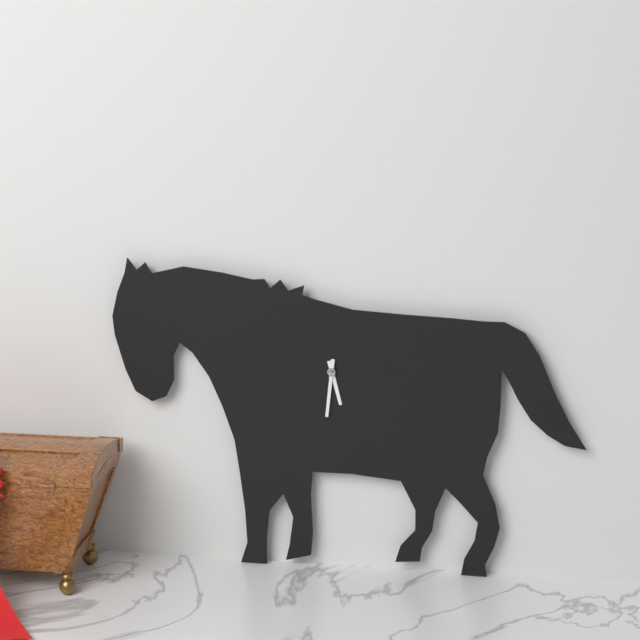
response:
h=5 m=31
